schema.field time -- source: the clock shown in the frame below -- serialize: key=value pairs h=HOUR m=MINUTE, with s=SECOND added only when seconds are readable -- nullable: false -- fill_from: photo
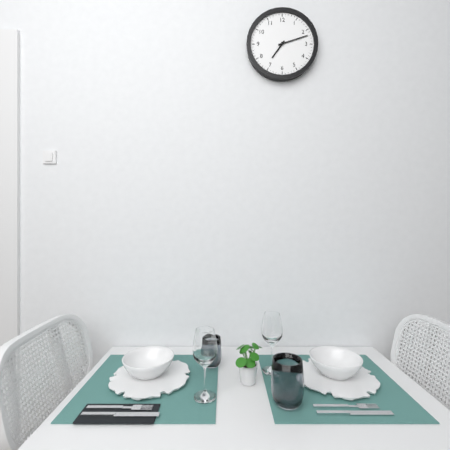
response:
h=7 m=12
